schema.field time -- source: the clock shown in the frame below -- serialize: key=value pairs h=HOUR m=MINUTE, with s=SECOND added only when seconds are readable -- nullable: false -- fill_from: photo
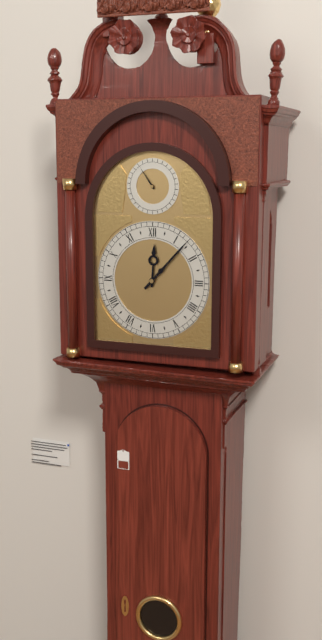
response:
h=12 m=7
